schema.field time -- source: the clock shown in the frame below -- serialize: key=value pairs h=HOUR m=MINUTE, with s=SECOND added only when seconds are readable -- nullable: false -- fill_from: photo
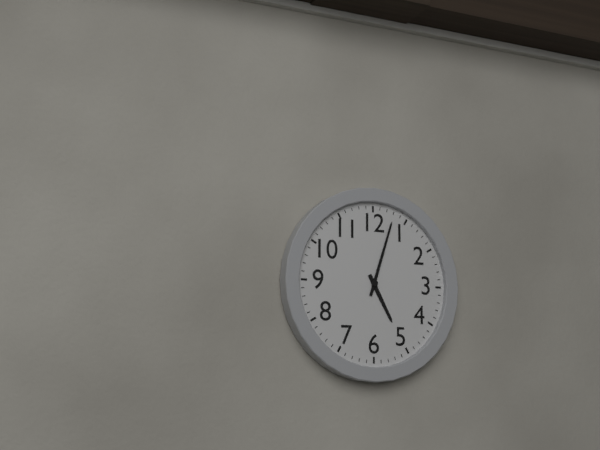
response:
h=5 m=3
